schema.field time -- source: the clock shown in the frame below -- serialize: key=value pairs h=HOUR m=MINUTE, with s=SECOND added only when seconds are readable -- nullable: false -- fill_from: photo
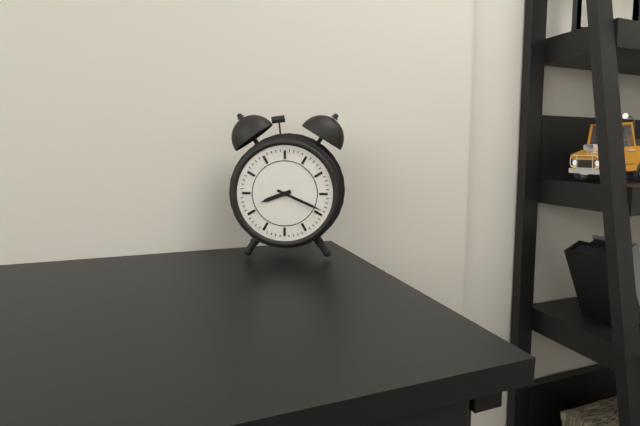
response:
h=8 m=19
